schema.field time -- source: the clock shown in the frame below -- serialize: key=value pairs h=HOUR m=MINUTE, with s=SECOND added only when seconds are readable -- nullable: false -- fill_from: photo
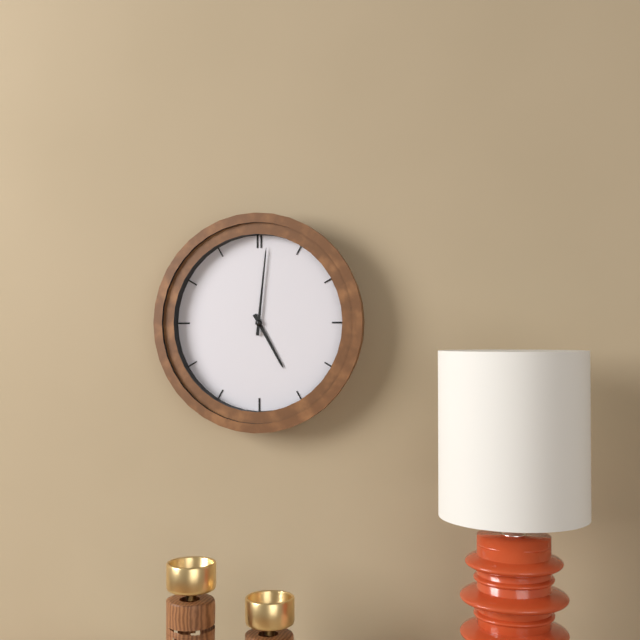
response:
h=5 m=1
